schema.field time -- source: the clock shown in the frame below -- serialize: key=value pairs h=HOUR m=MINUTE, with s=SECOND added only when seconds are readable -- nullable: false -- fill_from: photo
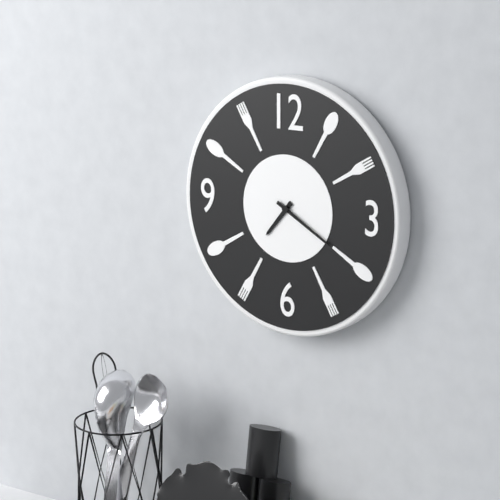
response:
h=7 m=20
